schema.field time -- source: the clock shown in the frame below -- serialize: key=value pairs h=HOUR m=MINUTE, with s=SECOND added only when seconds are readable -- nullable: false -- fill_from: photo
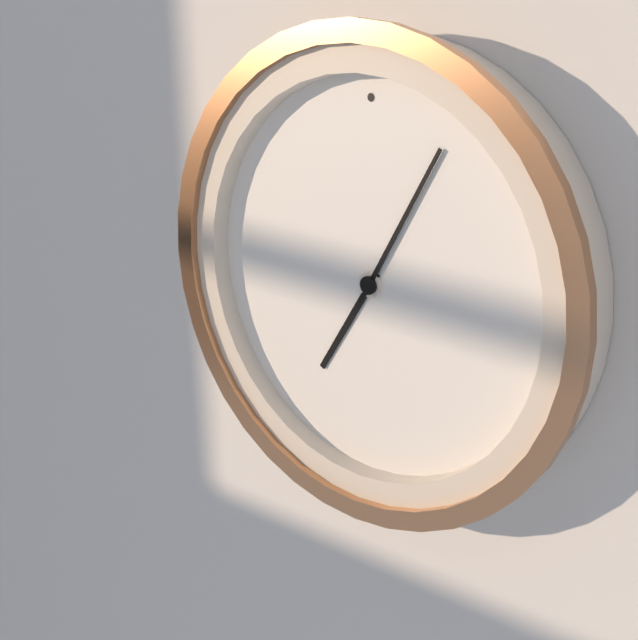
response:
h=7 m=5
